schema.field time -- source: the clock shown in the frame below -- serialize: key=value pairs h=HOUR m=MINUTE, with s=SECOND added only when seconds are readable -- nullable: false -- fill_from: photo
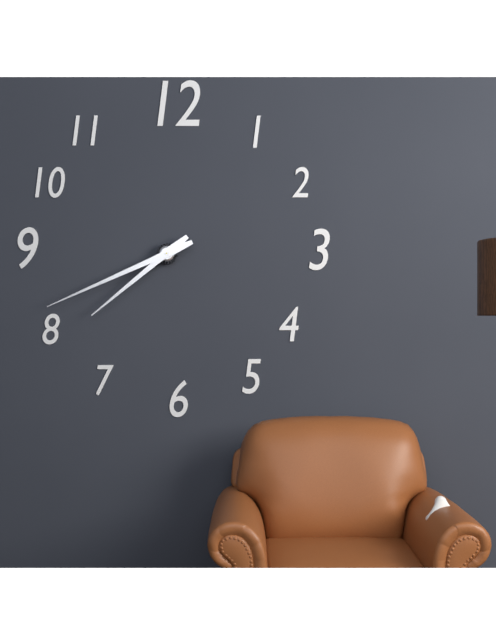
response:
h=7 m=41
